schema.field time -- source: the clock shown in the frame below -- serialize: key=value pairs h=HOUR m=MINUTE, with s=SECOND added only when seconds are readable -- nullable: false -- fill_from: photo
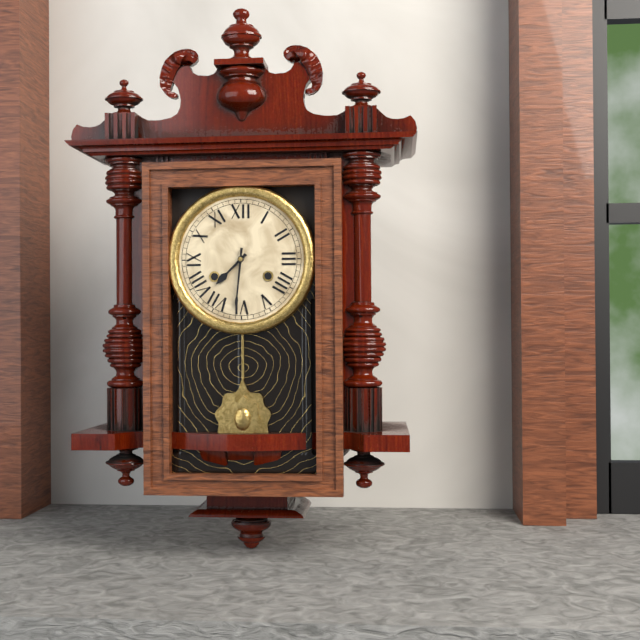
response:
h=7 m=31
